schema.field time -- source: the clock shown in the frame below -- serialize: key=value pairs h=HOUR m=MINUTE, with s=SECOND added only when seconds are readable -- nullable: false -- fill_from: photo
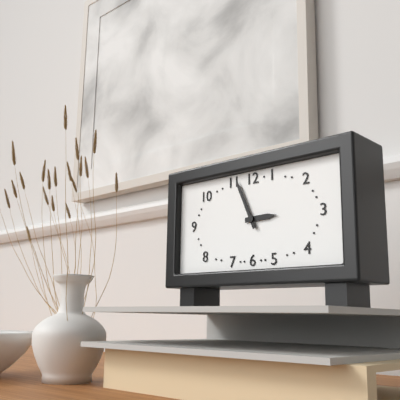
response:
h=2 m=56
